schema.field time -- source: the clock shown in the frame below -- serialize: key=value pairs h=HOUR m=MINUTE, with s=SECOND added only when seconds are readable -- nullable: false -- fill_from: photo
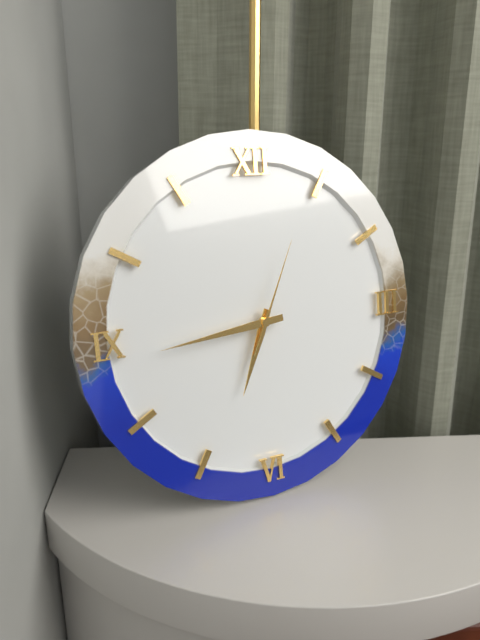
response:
h=6 m=44 s=4
